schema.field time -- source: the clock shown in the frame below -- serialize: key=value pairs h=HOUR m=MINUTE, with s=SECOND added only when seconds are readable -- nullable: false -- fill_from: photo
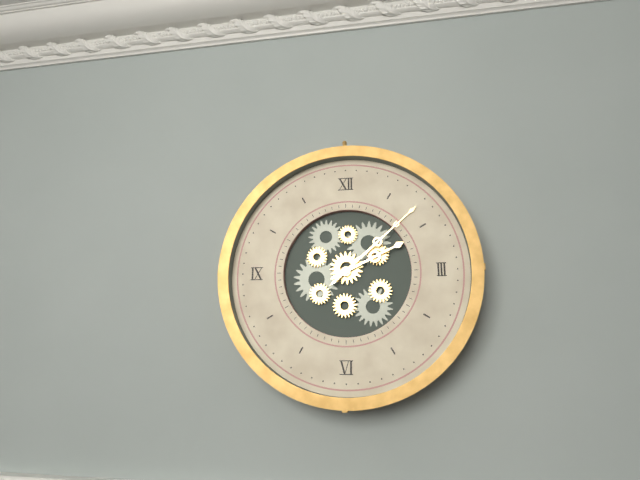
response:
h=2 m=8
